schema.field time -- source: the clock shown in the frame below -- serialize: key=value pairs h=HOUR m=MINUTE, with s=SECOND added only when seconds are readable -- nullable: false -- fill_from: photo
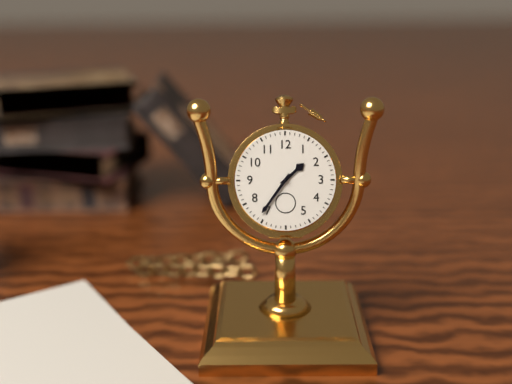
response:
h=1 m=36
